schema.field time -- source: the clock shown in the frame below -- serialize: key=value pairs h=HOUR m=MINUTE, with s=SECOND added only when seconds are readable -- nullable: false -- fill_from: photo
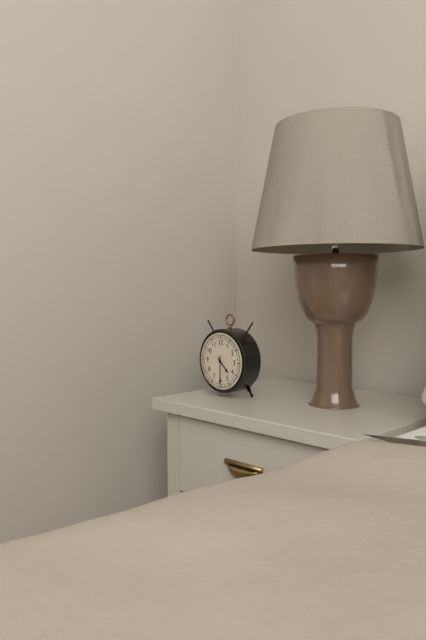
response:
h=4 m=30
